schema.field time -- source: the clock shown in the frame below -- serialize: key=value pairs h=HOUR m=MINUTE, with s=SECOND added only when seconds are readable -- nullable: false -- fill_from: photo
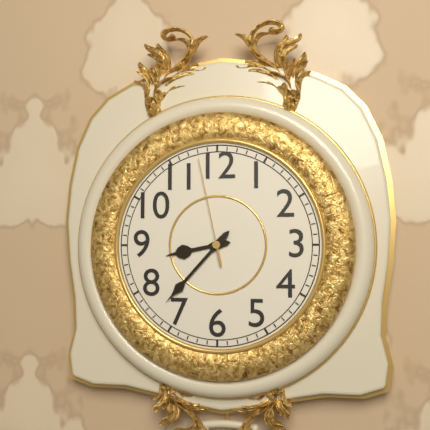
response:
h=8 m=37 s=58
